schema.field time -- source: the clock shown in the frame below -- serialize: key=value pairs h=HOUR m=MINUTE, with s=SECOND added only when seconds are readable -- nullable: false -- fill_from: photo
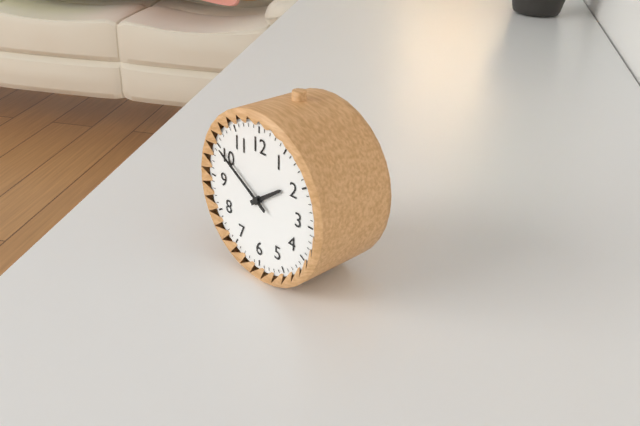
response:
h=1 m=50
